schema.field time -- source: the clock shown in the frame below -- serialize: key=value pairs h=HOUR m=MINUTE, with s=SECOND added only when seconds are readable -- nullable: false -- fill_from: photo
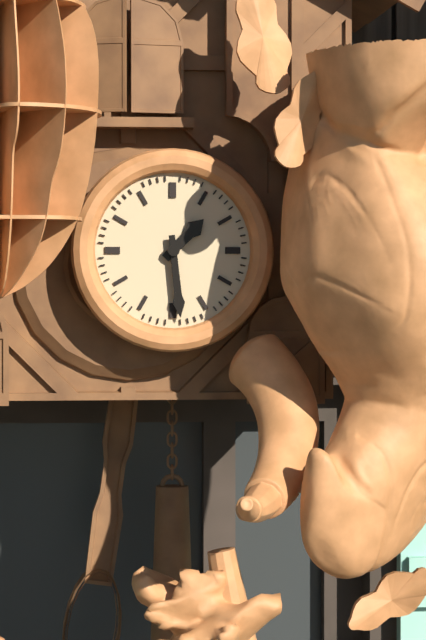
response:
h=1 m=29
